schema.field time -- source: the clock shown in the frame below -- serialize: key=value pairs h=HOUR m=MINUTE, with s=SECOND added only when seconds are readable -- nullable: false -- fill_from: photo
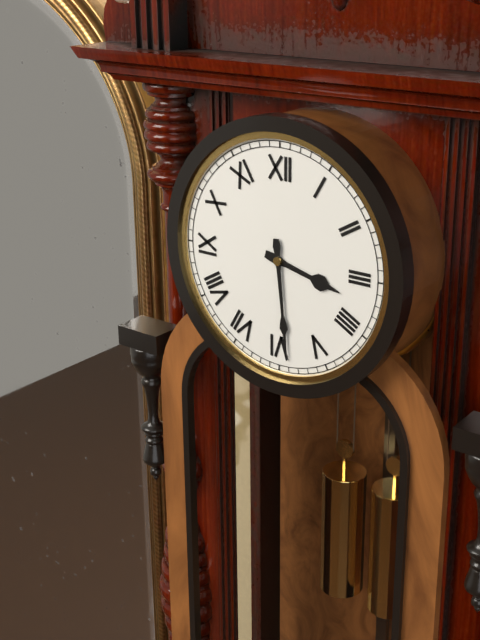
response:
h=3 m=29
